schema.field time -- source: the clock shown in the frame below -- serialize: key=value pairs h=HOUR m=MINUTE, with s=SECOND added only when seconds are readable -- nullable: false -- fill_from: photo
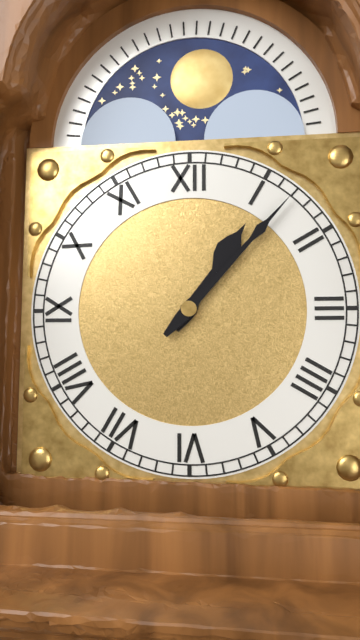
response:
h=1 m=7
